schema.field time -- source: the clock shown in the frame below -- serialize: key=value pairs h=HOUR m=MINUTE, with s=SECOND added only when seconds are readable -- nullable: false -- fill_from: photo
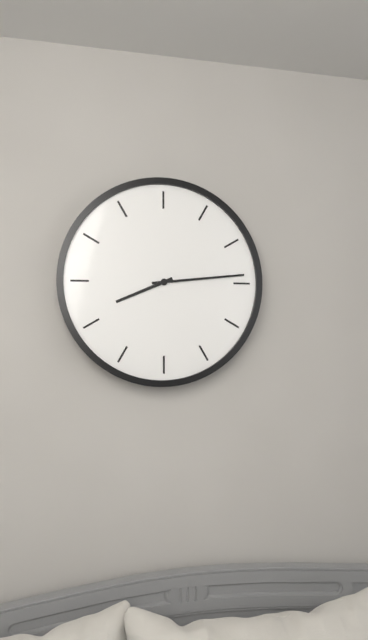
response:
h=8 m=14
